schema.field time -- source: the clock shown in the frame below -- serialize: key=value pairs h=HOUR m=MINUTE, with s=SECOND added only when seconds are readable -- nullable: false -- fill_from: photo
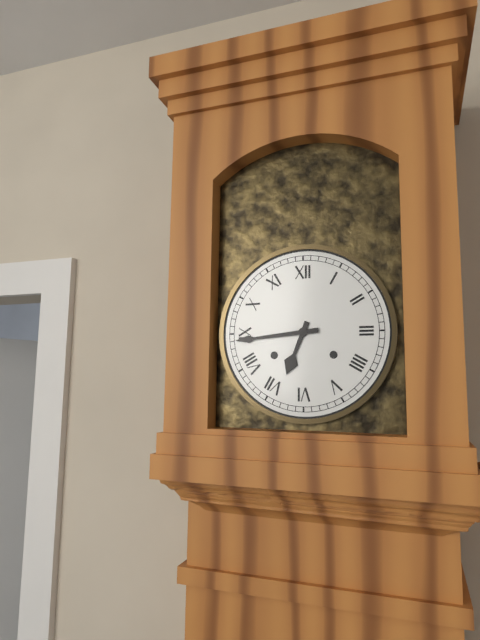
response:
h=6 m=44
